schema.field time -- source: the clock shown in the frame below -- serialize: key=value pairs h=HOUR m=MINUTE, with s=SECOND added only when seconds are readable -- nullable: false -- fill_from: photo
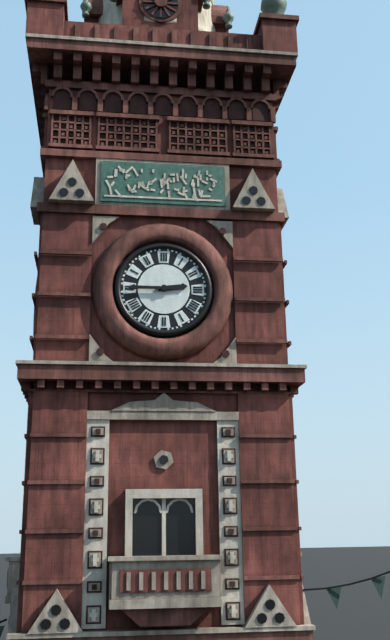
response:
h=2 m=45
